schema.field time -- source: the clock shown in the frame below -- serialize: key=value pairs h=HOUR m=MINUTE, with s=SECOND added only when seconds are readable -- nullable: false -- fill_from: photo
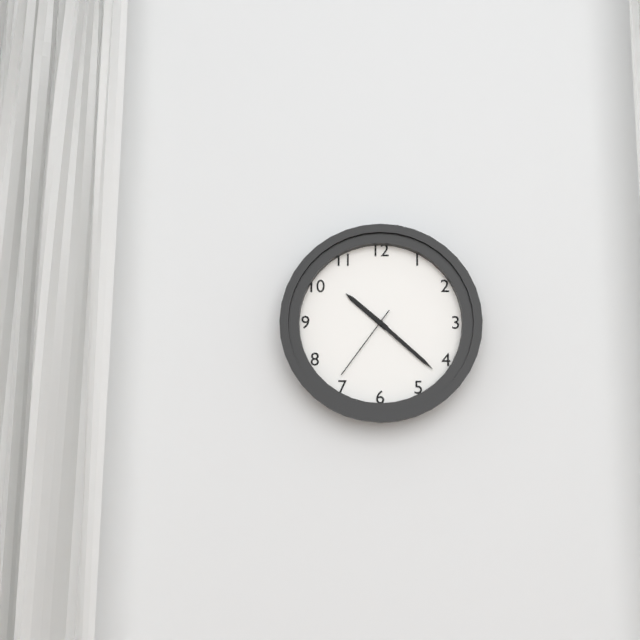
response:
h=10 m=22 s=36
